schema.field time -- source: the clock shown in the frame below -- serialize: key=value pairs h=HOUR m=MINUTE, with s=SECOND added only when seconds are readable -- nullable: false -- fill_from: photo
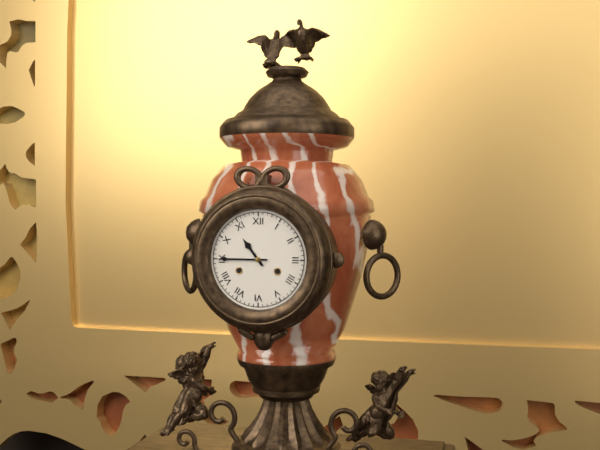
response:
h=10 m=45
